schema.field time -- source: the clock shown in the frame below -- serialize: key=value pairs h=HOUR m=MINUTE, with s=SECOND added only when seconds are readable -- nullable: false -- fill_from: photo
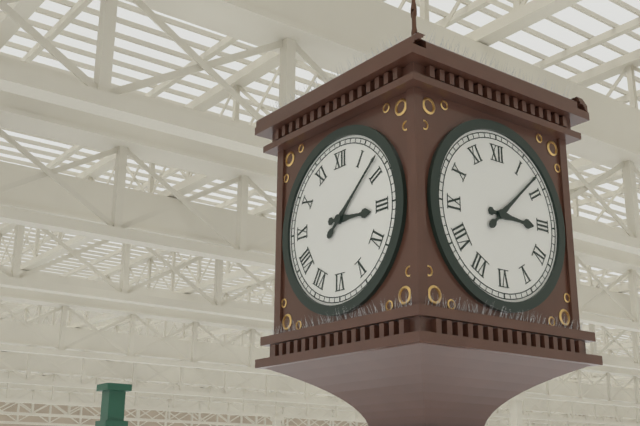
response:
h=3 m=8
